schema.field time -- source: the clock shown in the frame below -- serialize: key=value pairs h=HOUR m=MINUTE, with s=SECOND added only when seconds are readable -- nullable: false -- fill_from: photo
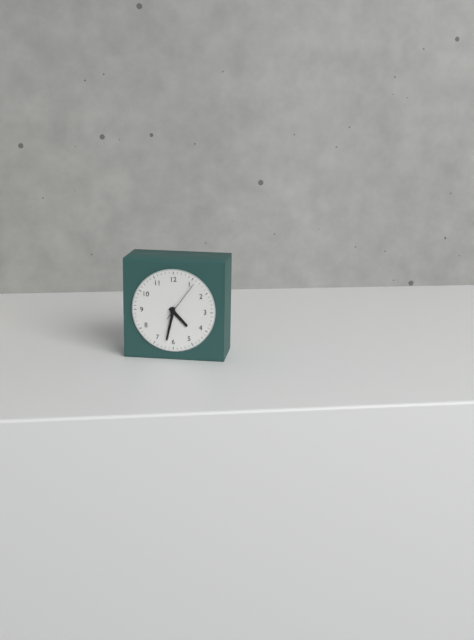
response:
h=4 m=32
